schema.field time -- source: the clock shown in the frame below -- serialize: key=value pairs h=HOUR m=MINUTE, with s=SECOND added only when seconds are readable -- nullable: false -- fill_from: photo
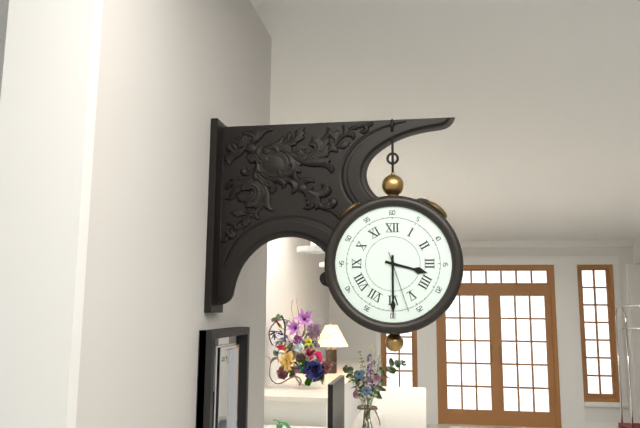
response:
h=3 m=30 s=27
